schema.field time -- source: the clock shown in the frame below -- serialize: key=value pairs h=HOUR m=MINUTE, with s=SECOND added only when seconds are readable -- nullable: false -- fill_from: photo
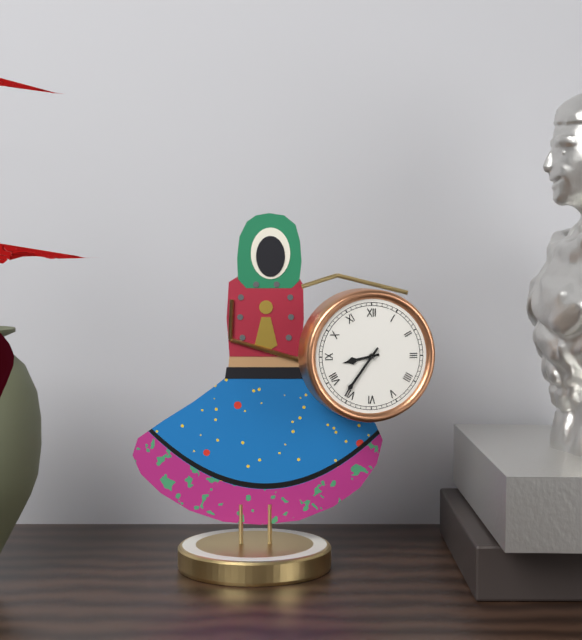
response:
h=8 m=36
